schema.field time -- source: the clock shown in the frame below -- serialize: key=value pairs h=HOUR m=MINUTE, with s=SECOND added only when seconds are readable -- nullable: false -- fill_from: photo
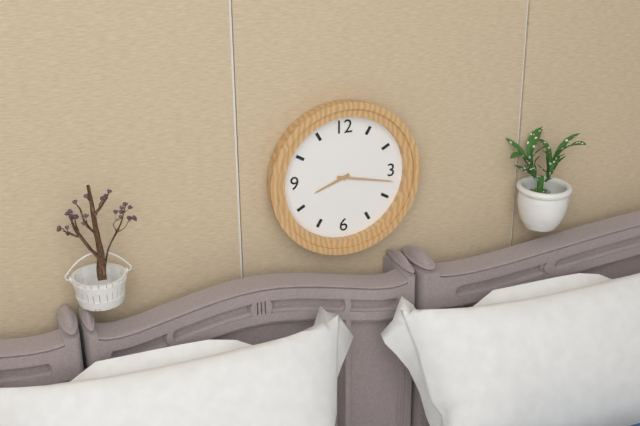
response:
h=8 m=17
